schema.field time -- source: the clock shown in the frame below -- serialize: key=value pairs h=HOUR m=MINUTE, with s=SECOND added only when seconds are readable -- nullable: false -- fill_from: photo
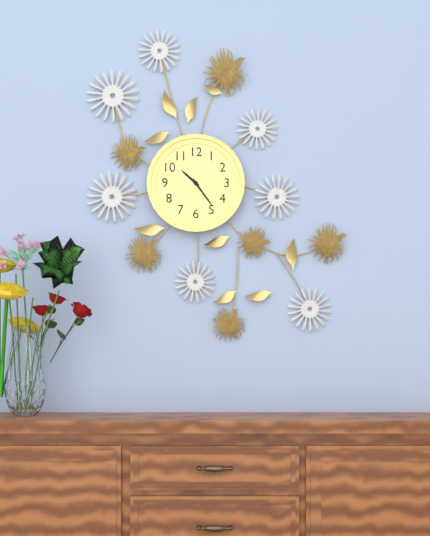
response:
h=10 m=24
